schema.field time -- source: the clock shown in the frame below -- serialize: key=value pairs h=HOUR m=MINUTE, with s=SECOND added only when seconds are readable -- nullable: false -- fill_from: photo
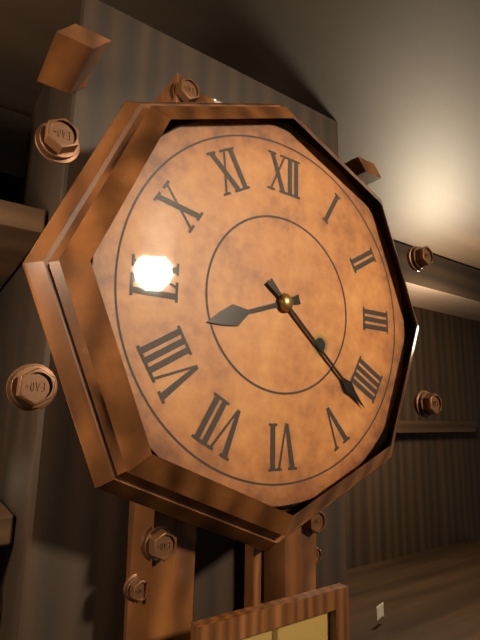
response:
h=8 m=22
